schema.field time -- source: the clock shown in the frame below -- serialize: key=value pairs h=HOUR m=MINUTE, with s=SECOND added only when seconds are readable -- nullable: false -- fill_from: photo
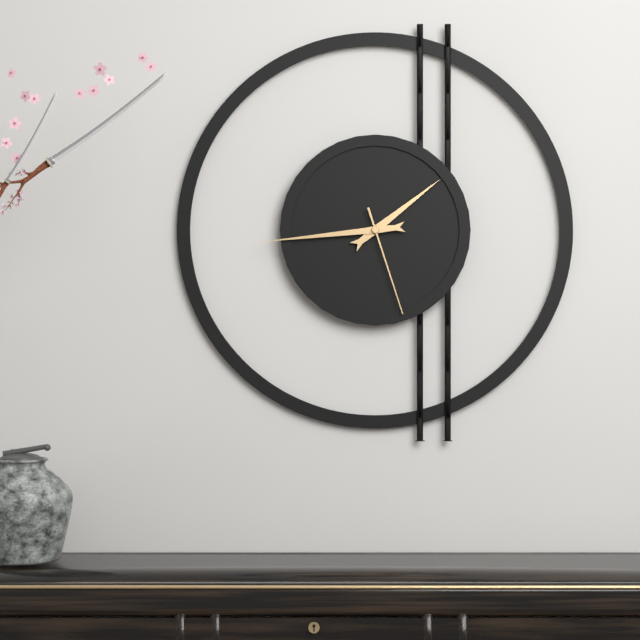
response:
h=1 m=44 s=27
